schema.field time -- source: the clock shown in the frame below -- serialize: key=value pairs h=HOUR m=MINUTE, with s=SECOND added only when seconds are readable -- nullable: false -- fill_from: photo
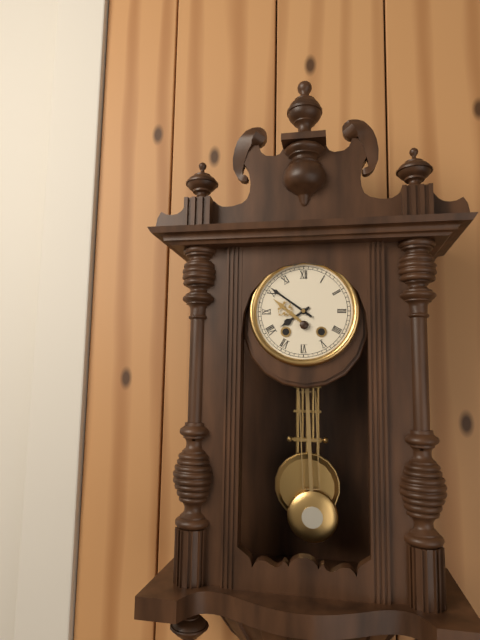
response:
h=7 m=51
